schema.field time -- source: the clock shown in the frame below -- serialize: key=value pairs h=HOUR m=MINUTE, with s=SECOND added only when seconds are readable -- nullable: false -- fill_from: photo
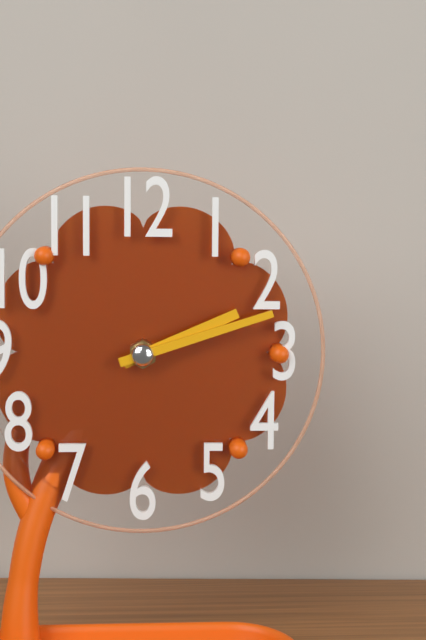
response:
h=2 m=12
